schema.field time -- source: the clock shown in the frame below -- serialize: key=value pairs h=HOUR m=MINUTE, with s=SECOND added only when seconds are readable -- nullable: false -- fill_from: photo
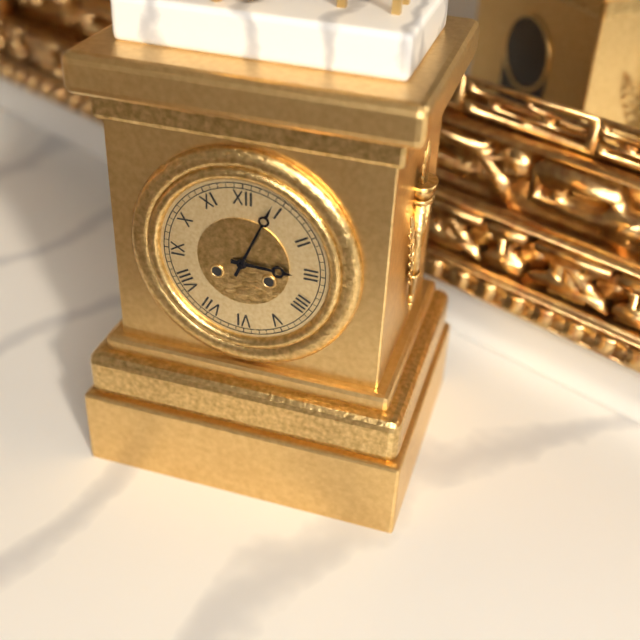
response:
h=3 m=4
